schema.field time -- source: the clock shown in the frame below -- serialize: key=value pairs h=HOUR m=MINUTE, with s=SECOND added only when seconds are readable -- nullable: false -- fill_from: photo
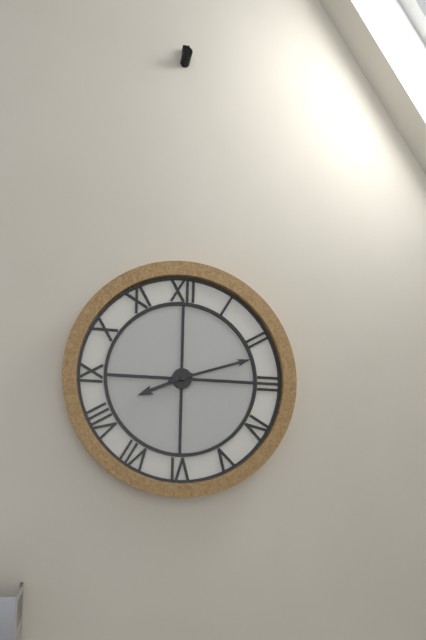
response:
h=8 m=12
